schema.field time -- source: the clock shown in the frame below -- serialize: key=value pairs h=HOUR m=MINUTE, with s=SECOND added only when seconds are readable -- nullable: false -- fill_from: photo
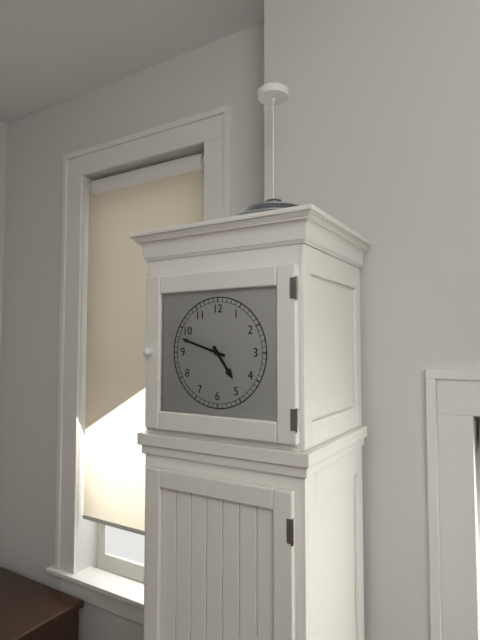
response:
h=4 m=48
